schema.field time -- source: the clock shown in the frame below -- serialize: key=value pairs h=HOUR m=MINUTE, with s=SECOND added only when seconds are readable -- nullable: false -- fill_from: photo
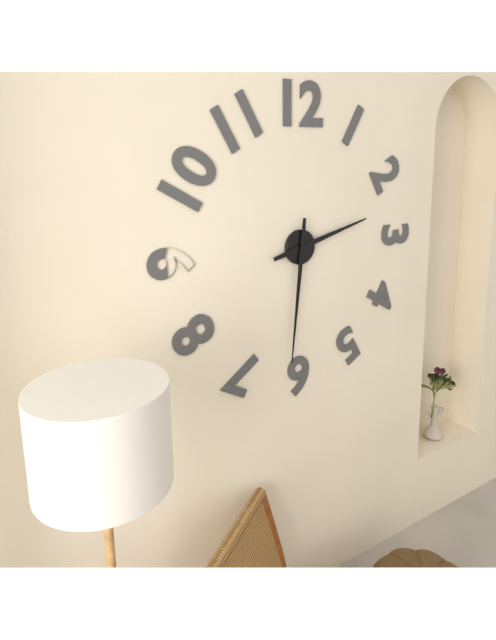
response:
h=2 m=31
